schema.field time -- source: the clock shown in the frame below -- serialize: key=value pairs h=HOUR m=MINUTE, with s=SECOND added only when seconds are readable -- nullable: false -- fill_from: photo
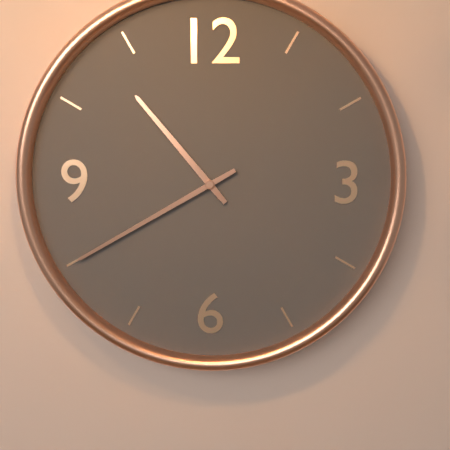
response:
h=10 m=40
